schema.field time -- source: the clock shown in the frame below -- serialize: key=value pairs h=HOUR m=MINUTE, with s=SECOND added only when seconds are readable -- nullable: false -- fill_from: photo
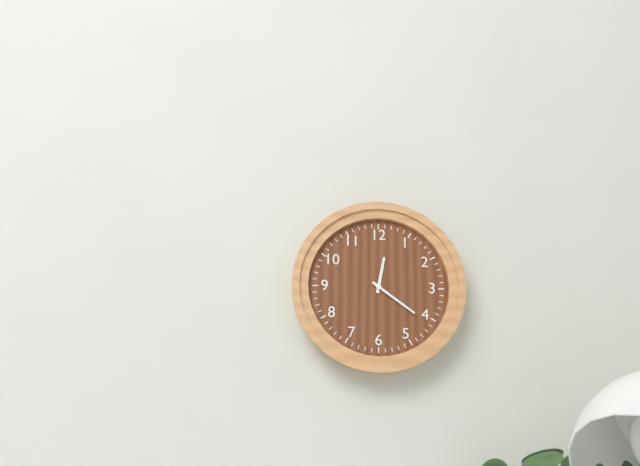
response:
h=12 m=21
